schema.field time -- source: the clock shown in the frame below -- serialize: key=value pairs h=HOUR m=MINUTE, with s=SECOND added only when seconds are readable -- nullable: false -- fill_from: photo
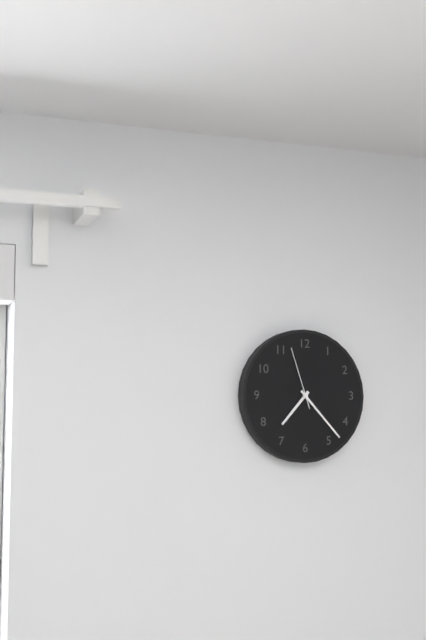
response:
h=7 m=23 s=57
